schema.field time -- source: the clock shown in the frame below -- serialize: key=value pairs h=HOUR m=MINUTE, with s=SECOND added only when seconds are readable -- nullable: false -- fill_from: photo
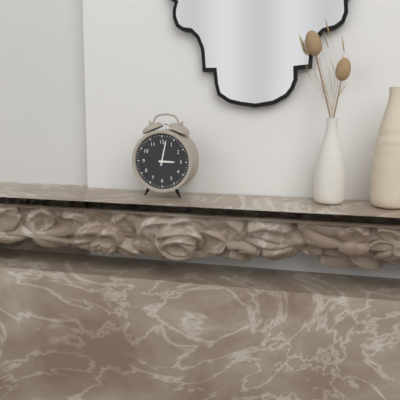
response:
h=3 m=2
